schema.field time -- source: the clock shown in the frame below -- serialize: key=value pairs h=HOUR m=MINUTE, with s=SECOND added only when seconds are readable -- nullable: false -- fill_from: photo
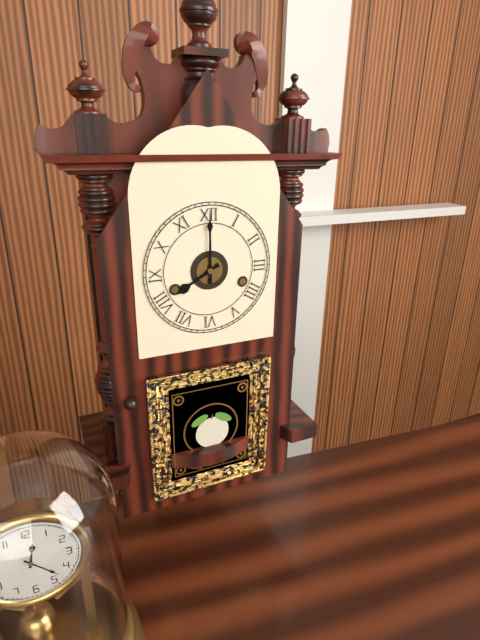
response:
h=8 m=0
